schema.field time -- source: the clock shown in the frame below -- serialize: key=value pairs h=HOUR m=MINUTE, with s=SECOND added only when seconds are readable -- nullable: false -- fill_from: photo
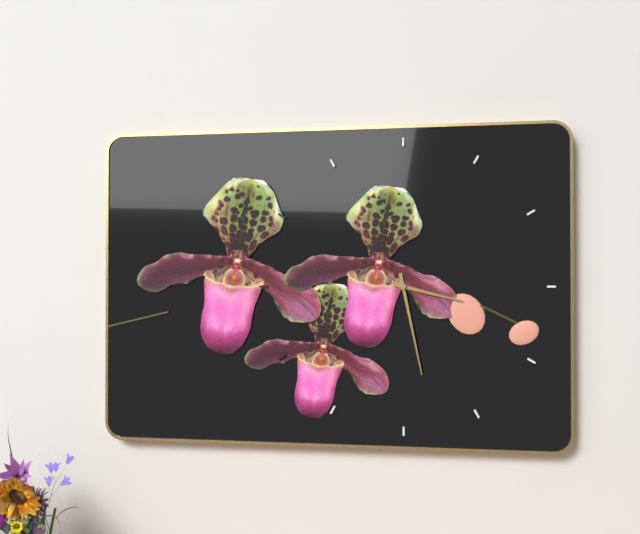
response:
h=3 m=28
